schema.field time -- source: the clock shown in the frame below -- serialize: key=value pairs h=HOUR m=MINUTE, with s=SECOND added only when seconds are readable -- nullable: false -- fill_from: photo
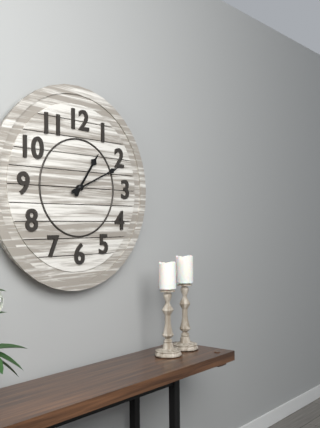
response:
h=1 m=11
